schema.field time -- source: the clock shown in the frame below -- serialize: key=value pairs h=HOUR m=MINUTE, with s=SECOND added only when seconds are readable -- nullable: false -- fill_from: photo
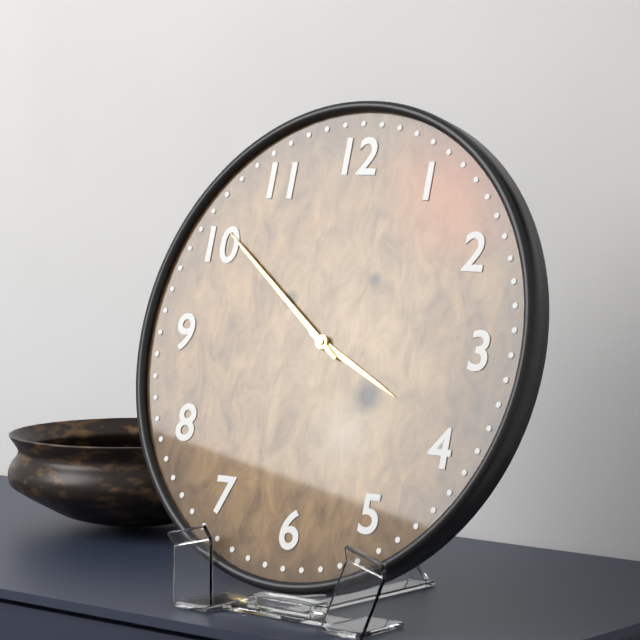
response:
h=3 m=51
